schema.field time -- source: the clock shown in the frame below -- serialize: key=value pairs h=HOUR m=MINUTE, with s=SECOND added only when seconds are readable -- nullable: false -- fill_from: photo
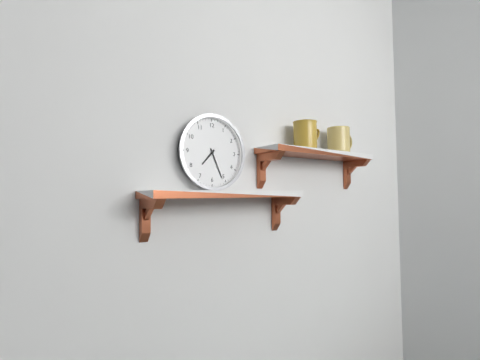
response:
h=7 m=26
